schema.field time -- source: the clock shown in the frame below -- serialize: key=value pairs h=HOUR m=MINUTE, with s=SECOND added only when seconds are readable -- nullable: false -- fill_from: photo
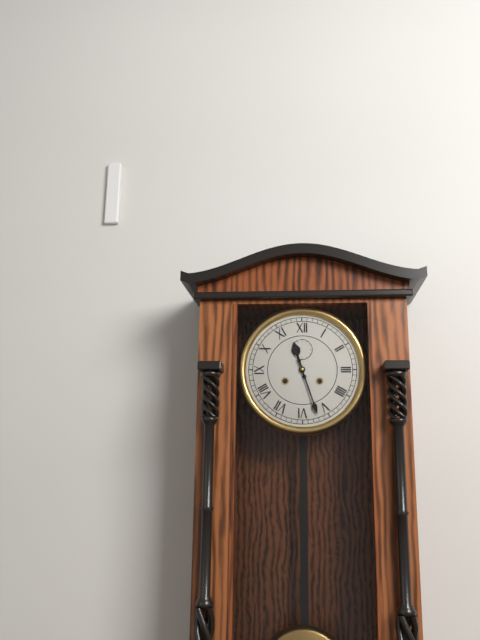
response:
h=11 m=27
